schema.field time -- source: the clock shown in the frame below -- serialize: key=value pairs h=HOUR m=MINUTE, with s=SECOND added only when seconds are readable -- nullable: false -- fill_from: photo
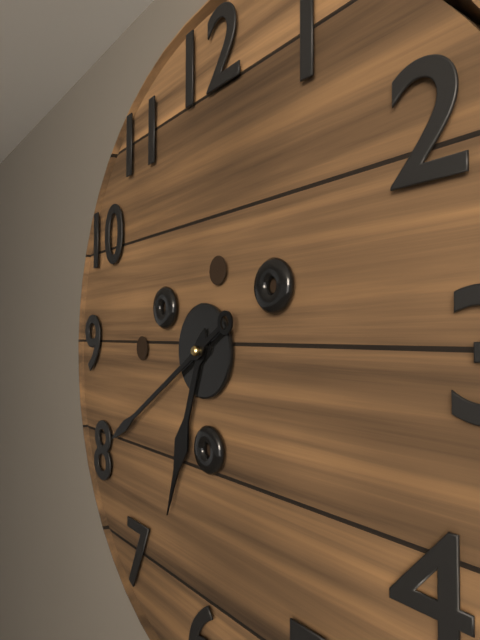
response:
h=6 m=40
